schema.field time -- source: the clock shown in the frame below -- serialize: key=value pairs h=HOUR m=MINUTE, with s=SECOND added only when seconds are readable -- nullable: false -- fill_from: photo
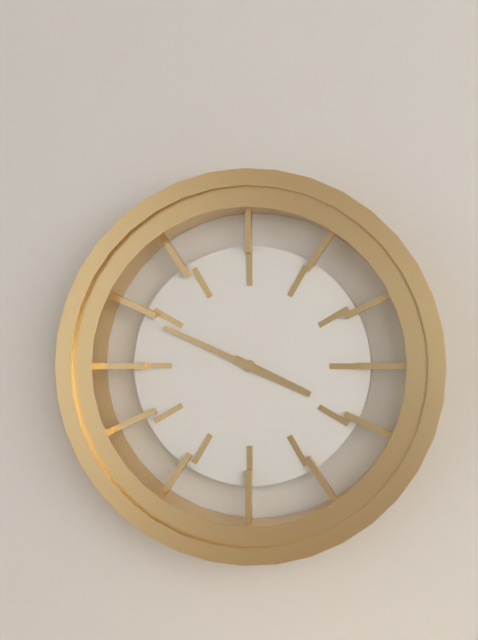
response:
h=3 m=49
